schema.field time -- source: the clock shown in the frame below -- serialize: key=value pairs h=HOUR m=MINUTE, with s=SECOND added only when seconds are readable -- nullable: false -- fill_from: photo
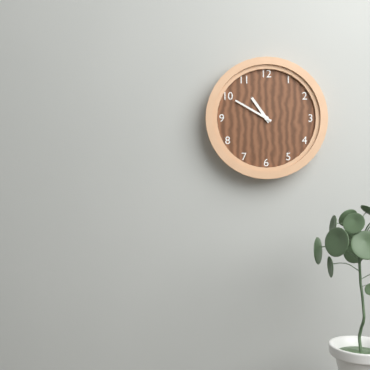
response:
h=10 m=50
